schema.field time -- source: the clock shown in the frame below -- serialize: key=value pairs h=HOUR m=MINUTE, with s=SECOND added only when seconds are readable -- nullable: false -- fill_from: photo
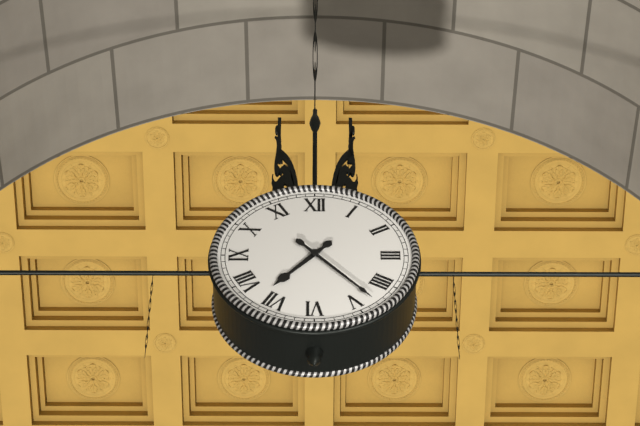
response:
h=7 m=23
